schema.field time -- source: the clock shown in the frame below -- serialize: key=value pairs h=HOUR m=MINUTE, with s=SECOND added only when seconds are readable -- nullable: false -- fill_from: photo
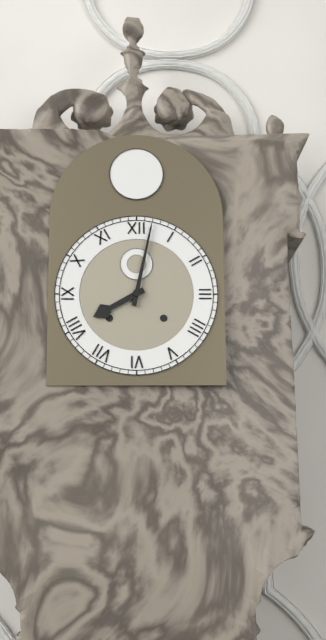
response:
h=8 m=2
